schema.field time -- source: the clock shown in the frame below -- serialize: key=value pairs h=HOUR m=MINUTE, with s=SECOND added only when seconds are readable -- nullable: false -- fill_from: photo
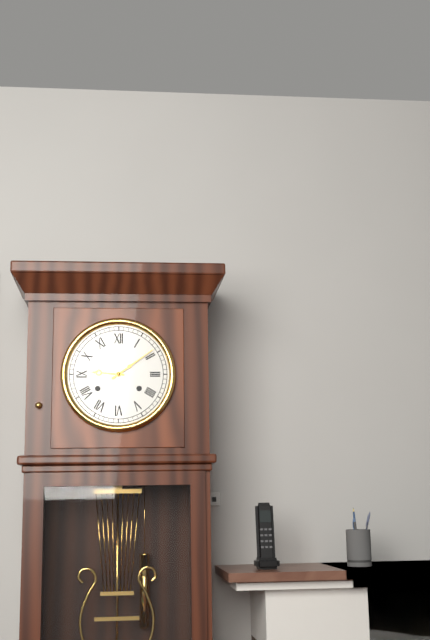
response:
h=9 m=9
